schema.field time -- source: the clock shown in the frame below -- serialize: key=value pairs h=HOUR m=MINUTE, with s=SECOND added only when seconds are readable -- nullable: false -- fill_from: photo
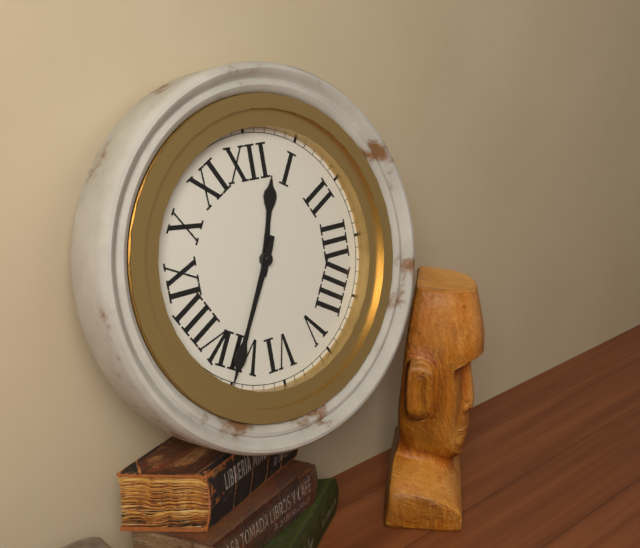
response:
h=12 m=35
